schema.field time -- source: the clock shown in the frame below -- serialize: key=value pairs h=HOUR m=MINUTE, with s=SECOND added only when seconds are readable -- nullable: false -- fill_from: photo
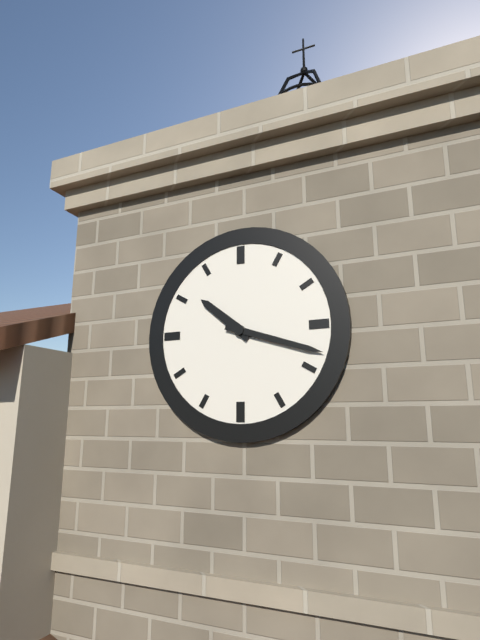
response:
h=10 m=18
